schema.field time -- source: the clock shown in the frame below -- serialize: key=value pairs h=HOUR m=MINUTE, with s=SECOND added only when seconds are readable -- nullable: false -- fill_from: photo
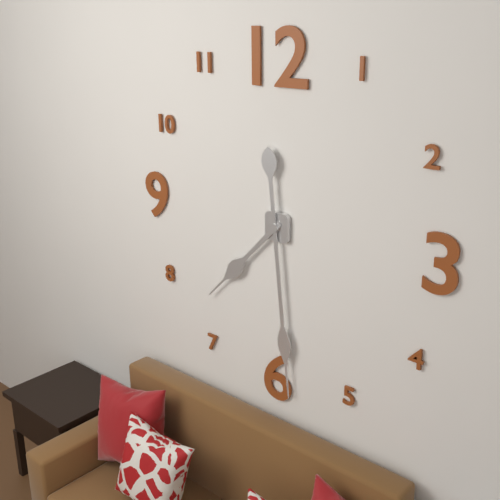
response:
h=7 m=29
